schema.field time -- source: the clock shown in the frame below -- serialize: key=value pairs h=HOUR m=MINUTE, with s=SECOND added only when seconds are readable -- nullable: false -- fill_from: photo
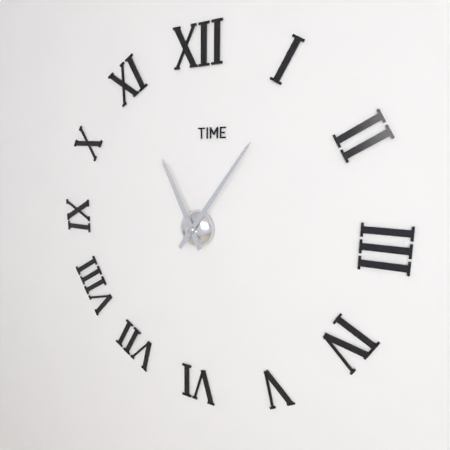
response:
h=11 m=6
